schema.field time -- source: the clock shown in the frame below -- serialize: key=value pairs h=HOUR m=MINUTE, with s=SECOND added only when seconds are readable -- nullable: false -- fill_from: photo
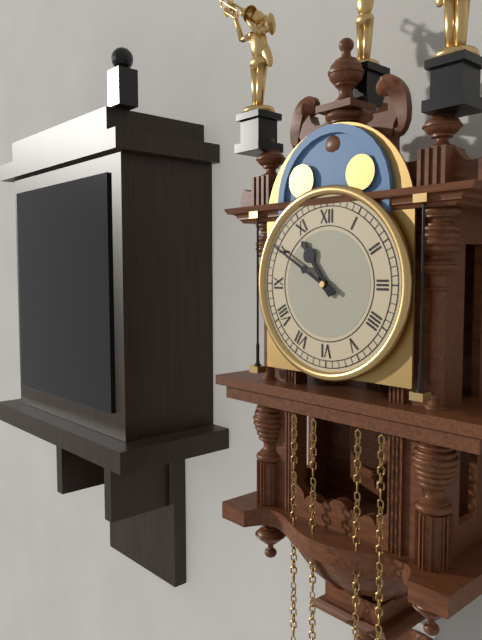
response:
h=10 m=50
